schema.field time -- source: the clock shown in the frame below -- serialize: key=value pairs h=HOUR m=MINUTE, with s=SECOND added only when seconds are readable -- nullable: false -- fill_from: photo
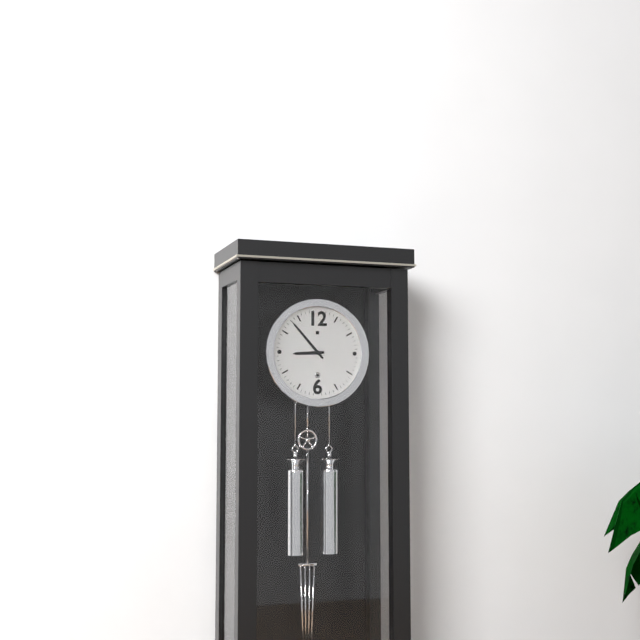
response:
h=8 m=53
